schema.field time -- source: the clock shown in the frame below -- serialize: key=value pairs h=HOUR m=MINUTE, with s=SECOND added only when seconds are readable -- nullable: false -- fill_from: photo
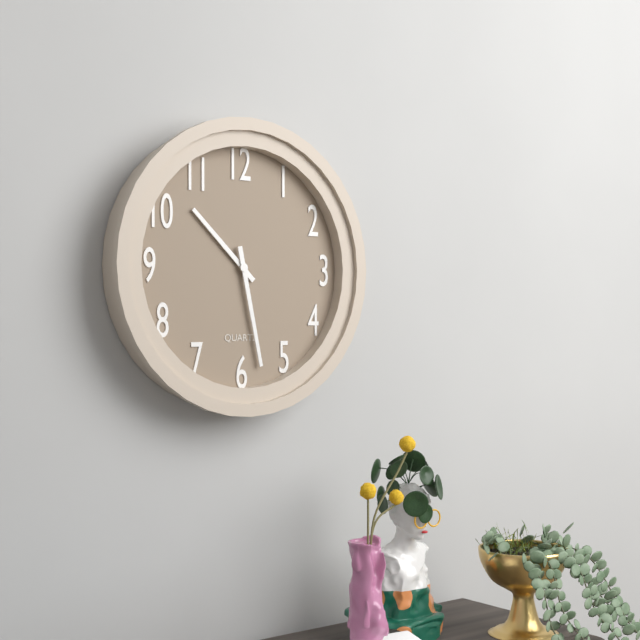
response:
h=10 m=28
